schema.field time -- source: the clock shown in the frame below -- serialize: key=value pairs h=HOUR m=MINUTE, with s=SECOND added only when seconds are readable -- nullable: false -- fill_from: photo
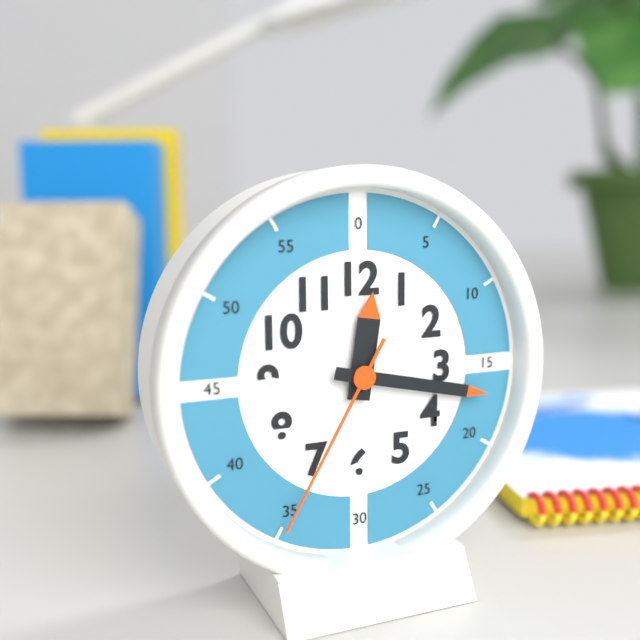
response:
h=12 m=17 s=35
